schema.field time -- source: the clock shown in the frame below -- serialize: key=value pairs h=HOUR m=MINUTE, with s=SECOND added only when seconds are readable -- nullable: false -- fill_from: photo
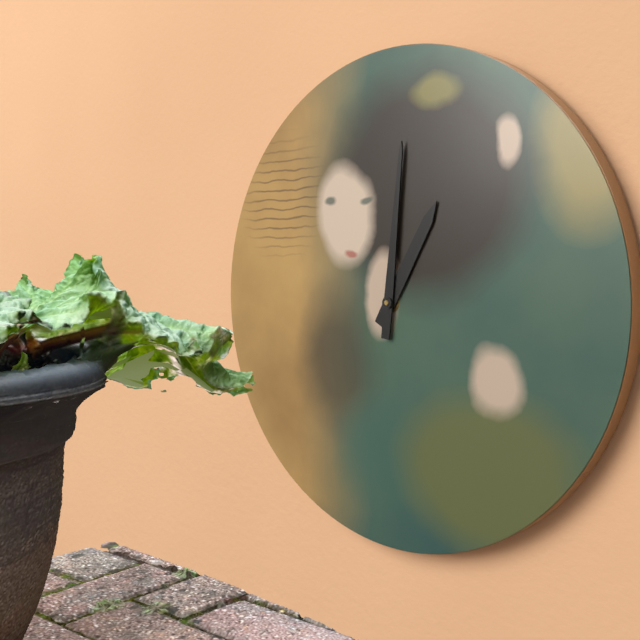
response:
h=1 m=1
